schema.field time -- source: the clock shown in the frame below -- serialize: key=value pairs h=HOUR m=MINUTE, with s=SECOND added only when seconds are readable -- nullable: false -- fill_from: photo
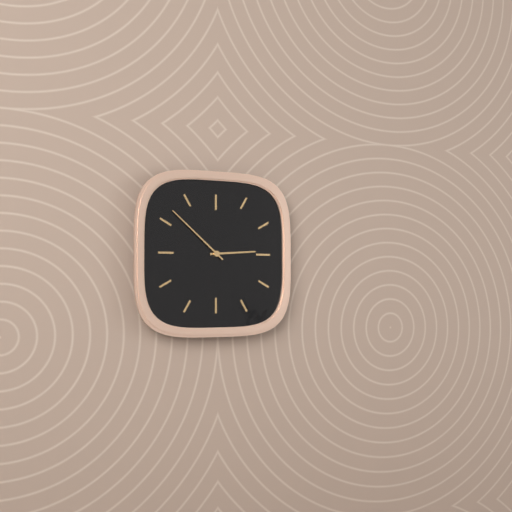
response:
h=2 m=52
